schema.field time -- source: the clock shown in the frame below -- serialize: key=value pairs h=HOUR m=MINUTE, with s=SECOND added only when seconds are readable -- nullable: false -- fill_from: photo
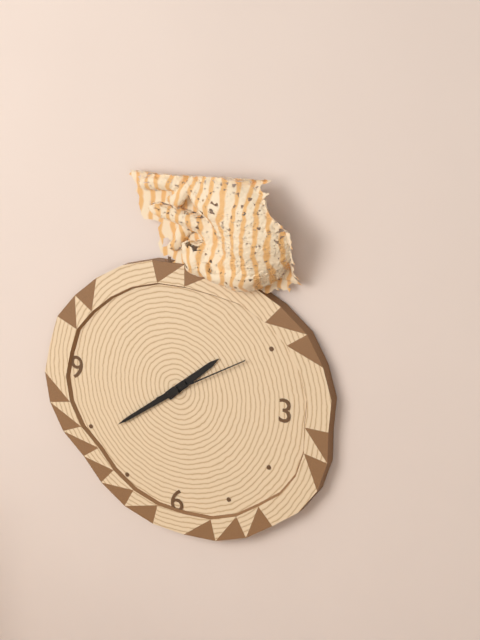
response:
h=1 m=39 s=10
